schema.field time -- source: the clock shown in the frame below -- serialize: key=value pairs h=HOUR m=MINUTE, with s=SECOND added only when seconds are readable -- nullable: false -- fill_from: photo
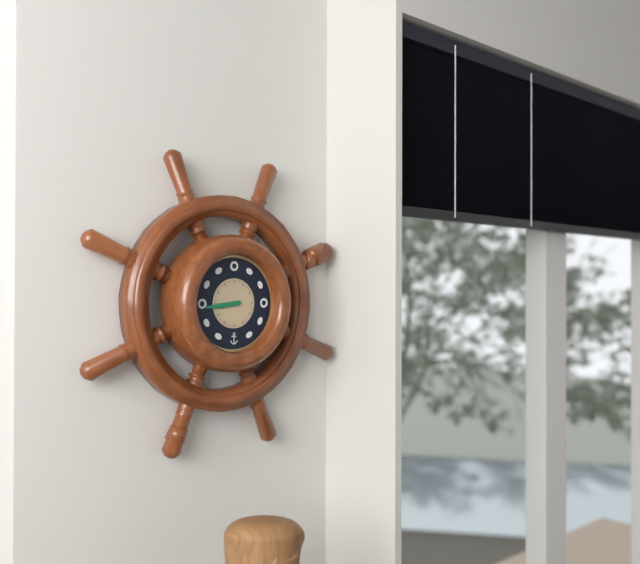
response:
h=8 m=44
